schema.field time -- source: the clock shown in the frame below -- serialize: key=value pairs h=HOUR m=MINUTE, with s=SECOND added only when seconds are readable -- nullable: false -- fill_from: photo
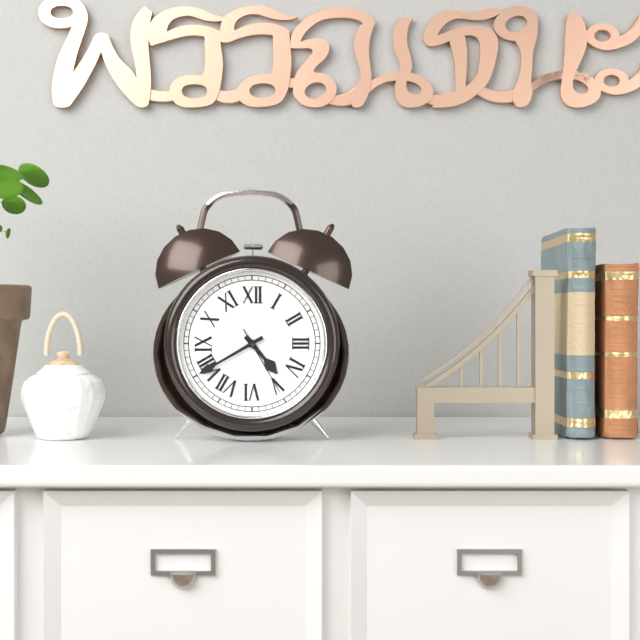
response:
h=4 m=40 s=25
